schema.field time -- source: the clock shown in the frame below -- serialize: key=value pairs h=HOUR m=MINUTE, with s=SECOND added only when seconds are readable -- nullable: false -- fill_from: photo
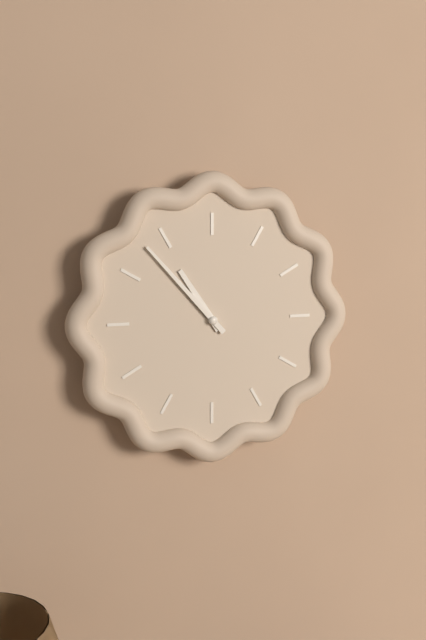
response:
h=10 m=53
